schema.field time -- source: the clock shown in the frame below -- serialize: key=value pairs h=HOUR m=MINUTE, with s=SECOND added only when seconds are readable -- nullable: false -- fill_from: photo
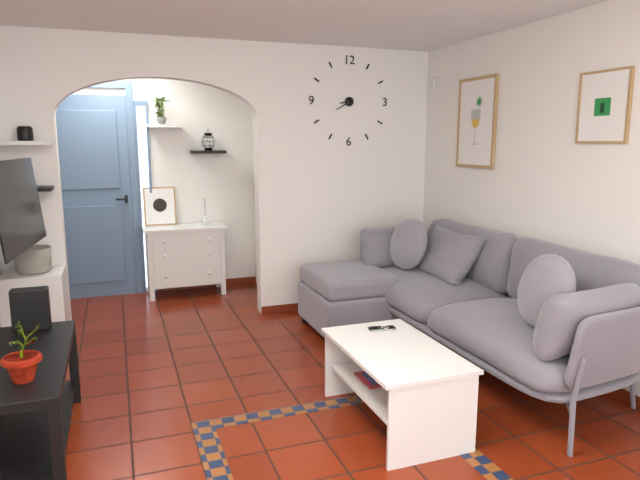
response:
h=8 m=40
